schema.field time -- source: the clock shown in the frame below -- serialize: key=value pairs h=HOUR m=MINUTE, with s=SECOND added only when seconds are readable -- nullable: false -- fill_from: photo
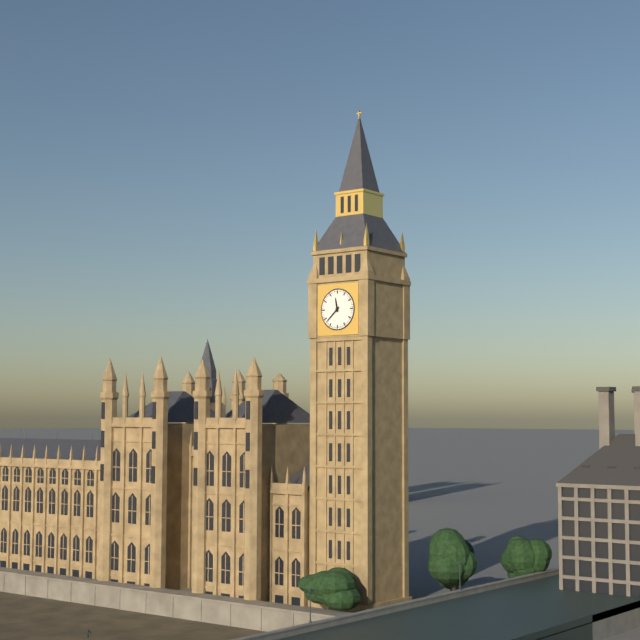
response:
h=11 m=38
